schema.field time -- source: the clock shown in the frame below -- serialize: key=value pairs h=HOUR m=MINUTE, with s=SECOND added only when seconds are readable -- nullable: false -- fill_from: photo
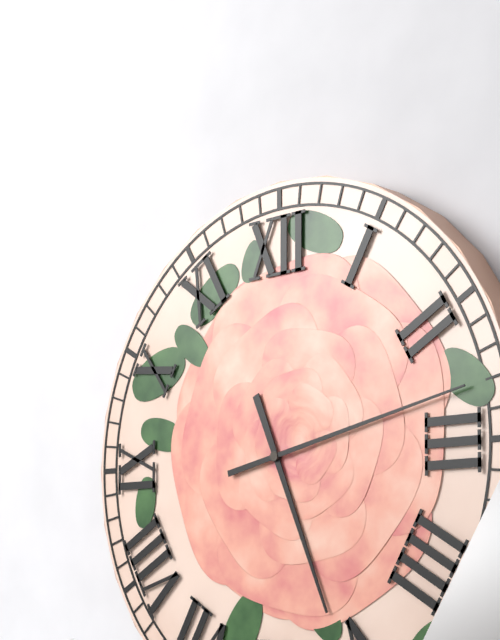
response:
h=5 m=13
